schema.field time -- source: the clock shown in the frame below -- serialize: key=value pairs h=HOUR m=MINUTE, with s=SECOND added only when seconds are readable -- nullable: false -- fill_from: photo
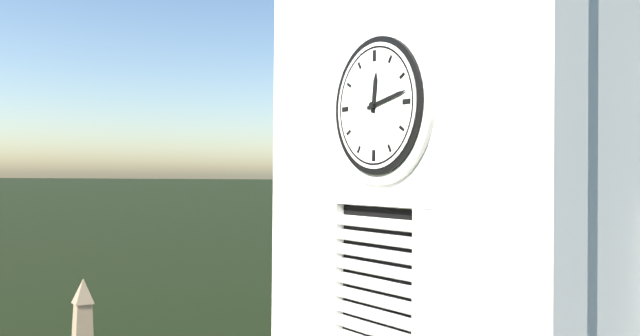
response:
h=12 m=13
